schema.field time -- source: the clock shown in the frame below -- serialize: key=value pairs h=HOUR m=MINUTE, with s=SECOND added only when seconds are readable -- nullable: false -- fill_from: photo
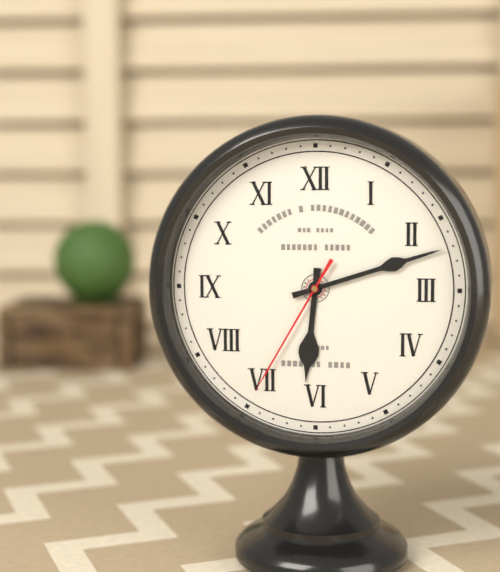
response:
h=6 m=12 s=35
